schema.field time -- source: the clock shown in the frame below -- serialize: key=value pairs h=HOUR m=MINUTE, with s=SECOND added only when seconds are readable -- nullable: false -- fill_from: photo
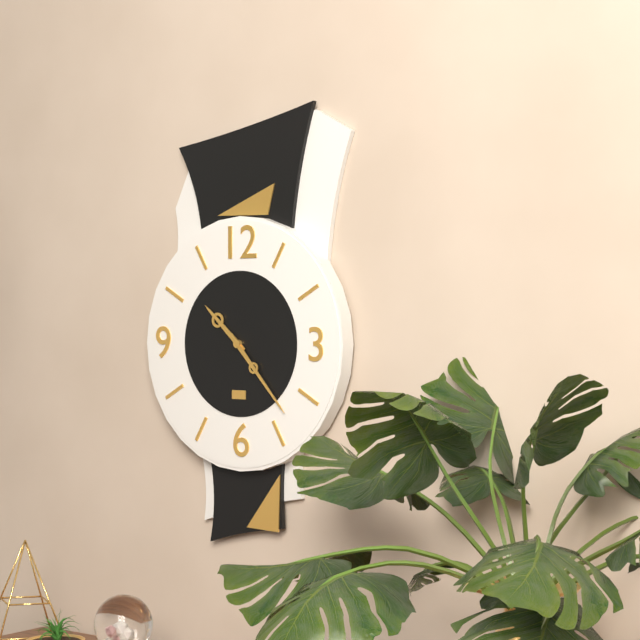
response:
h=10 m=23
